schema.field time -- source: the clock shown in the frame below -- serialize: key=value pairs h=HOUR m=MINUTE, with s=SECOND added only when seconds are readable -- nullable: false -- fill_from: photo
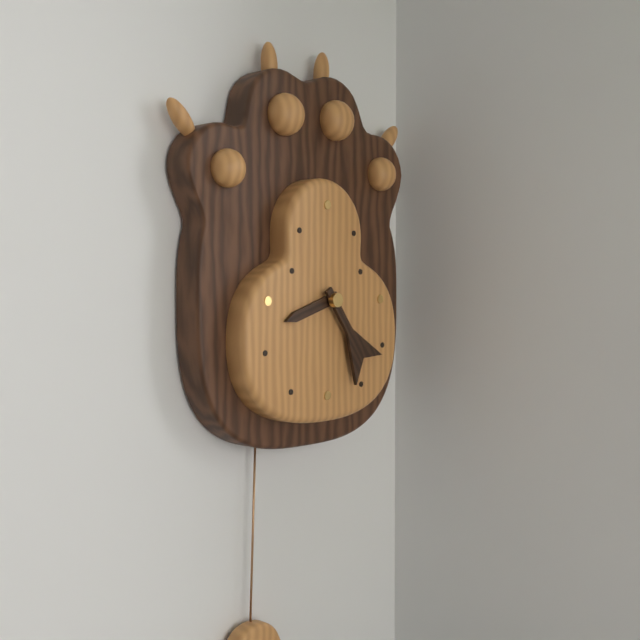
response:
h=8 m=24
